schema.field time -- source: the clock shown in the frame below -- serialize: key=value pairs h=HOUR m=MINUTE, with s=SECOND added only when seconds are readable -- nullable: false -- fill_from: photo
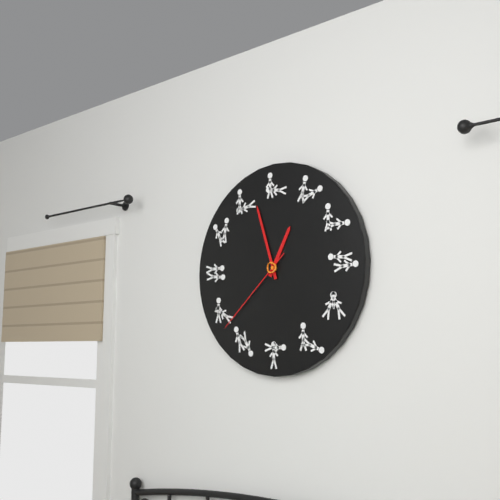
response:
h=12 m=57 s=38
